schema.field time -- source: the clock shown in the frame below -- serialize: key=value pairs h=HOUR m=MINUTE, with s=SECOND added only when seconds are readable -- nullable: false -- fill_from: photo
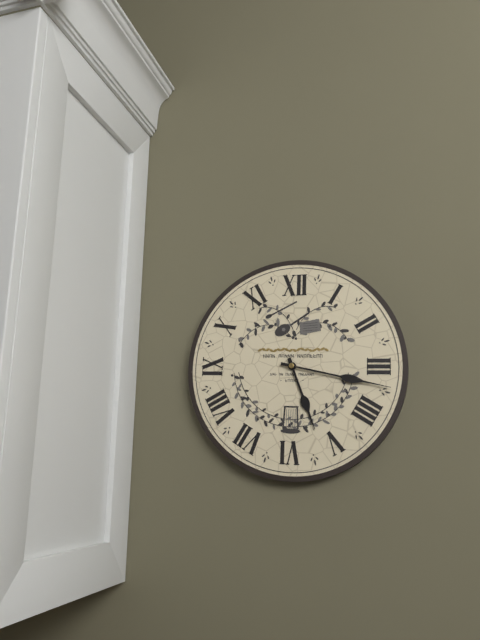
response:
h=5 m=17
